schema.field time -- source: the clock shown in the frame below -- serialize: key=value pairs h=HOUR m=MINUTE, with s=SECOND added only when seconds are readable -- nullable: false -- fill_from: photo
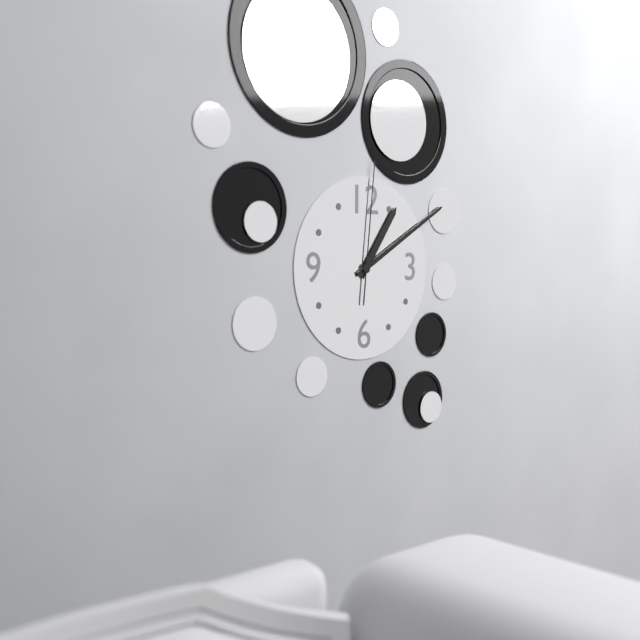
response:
h=1 m=10 s=1
